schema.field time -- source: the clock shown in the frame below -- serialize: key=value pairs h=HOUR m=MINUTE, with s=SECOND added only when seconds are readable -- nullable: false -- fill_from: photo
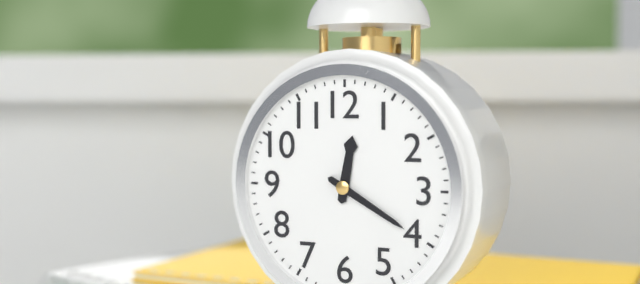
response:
h=12 m=20
